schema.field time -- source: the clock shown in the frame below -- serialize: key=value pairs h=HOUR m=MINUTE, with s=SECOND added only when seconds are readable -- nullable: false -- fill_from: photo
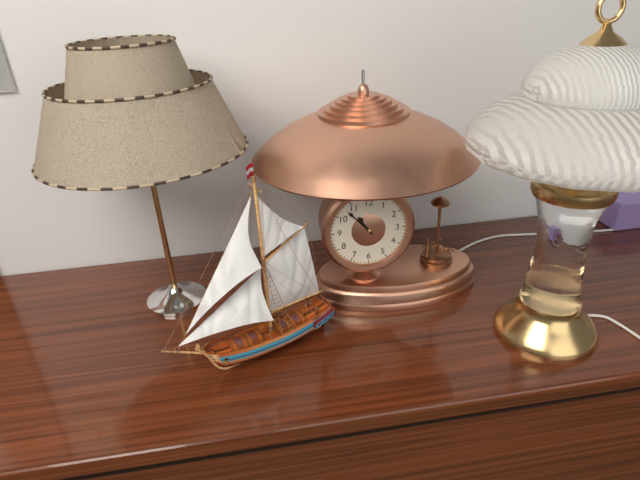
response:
h=10 m=53
